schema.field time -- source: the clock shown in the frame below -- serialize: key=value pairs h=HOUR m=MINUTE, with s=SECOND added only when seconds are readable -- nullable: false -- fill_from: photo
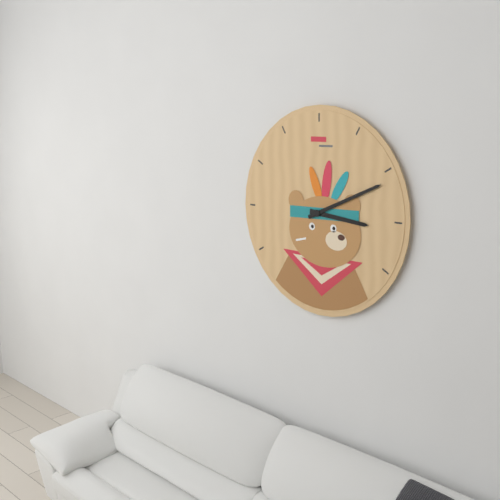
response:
h=3 m=11
